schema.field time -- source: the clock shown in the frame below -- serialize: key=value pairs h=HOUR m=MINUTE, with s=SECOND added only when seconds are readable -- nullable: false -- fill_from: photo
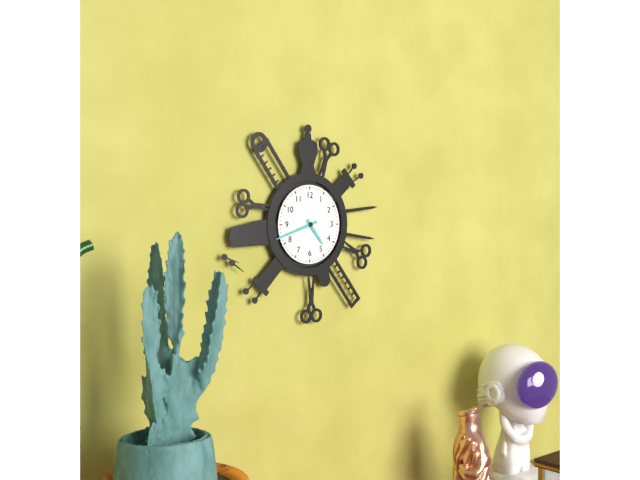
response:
h=4 m=42
